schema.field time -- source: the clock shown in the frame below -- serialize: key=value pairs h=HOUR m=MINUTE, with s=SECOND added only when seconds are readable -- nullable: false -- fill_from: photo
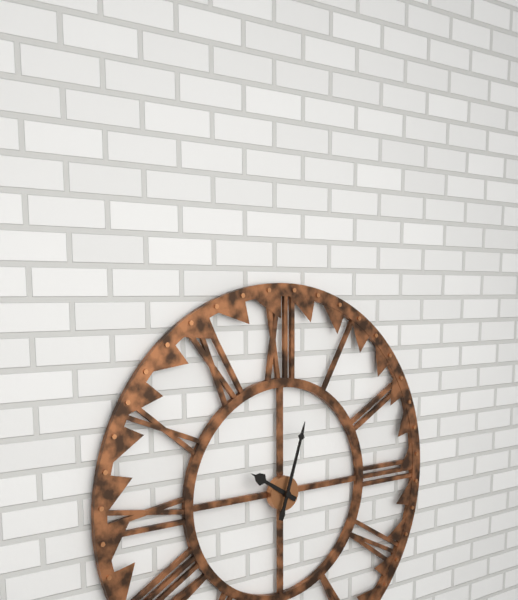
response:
h=10 m=3
